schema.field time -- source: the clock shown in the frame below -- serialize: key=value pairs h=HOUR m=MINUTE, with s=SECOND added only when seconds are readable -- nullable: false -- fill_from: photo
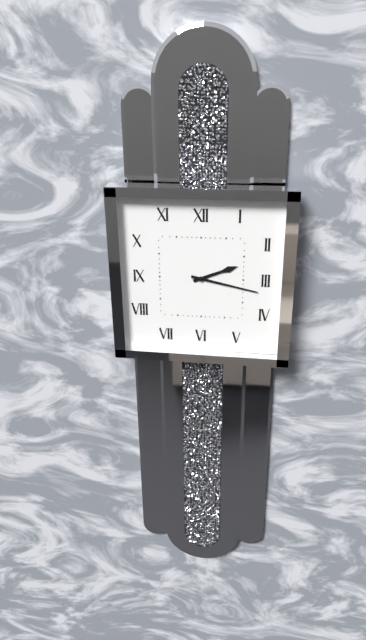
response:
h=2 m=17
